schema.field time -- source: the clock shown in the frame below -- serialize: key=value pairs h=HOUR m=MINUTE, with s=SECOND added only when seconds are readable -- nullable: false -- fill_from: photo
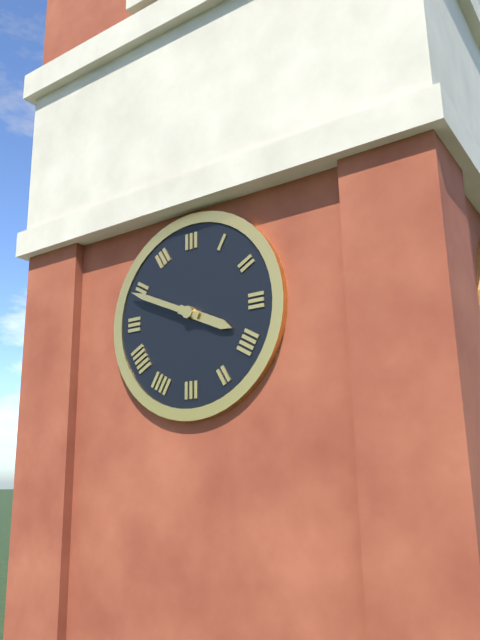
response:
h=3 m=49
